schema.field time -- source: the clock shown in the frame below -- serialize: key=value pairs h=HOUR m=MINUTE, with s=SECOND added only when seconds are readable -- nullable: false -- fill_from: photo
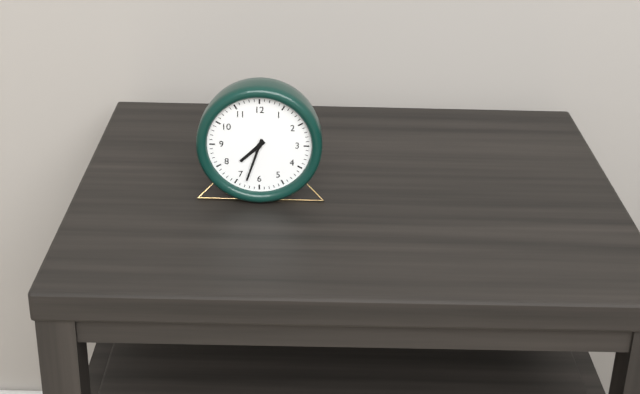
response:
h=7 m=33
